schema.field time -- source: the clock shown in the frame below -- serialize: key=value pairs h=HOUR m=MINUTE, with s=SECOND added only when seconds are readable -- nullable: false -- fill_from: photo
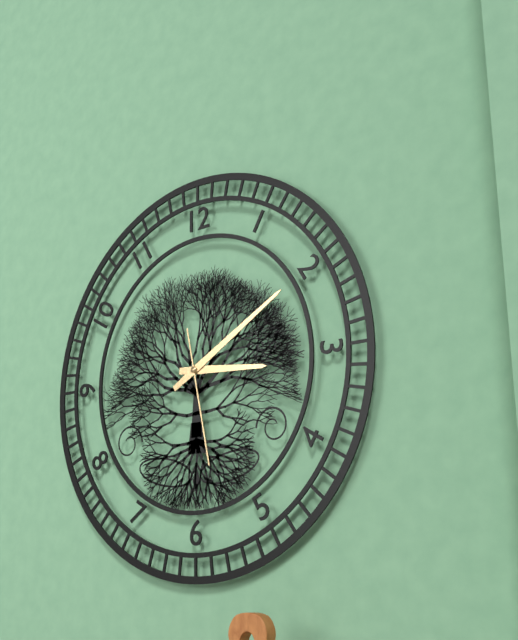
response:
h=3 m=10 s=28
